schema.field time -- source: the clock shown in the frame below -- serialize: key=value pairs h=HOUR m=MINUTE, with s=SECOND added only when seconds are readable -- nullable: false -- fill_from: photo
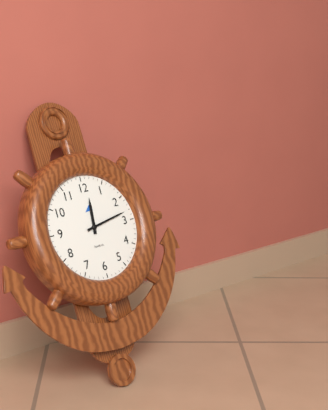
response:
h=12 m=13
